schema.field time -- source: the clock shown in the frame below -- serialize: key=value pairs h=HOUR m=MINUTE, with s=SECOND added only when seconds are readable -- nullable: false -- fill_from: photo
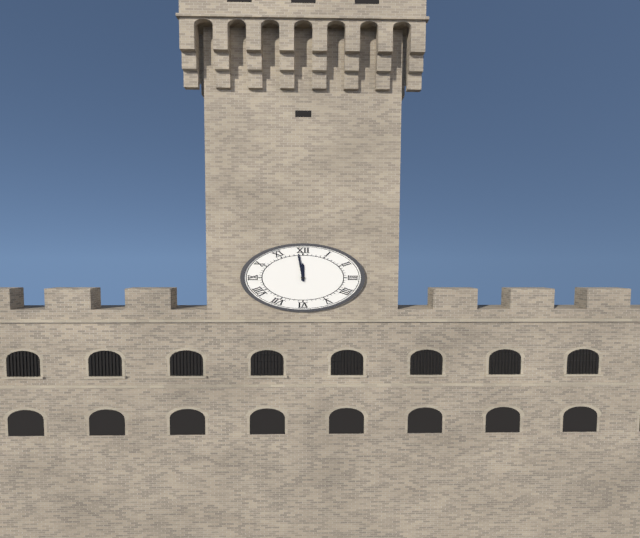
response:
h=11 m=59
